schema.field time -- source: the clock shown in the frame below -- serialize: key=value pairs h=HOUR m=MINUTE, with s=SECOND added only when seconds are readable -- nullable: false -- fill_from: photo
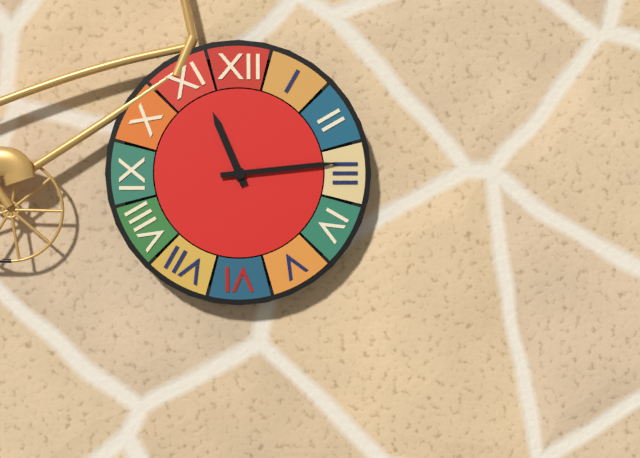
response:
h=11 m=14
